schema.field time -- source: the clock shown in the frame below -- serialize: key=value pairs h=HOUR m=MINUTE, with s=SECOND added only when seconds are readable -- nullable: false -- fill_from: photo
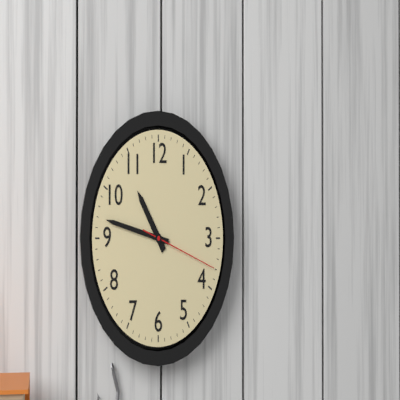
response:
h=10 m=47 s=18
